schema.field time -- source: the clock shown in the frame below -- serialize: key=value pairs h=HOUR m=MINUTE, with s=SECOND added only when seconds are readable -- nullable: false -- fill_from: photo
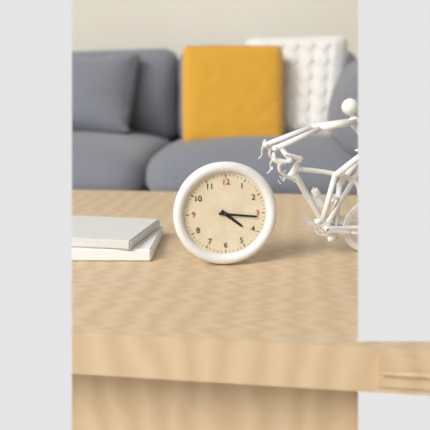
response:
h=4 m=16
